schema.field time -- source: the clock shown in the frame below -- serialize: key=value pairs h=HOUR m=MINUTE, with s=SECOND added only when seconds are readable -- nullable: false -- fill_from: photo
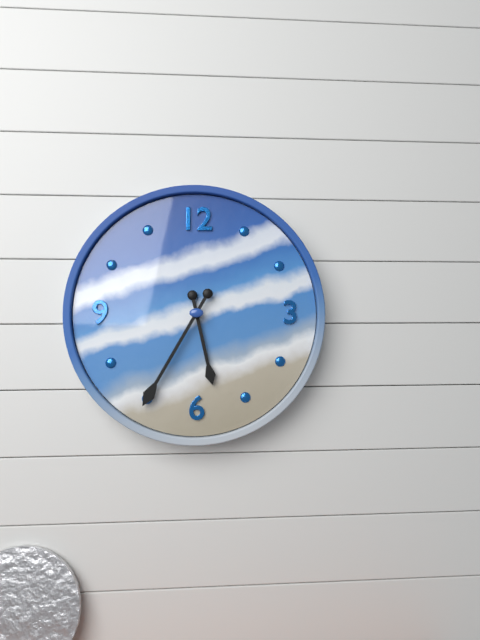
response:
h=5 m=35
